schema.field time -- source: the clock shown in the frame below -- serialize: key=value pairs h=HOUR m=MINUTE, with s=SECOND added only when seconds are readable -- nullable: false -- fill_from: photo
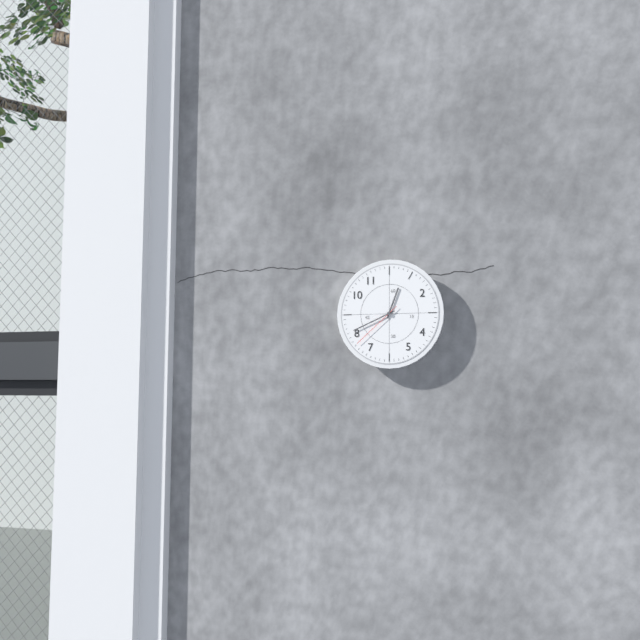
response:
h=12 m=41 s=38
